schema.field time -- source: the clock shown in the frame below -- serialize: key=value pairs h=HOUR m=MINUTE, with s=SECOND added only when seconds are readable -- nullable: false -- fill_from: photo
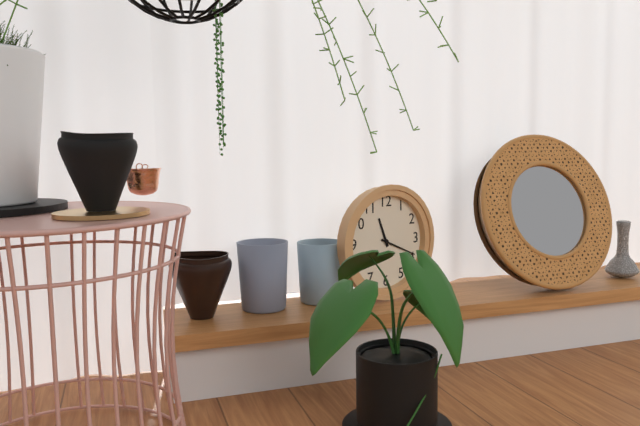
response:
h=11 m=19
